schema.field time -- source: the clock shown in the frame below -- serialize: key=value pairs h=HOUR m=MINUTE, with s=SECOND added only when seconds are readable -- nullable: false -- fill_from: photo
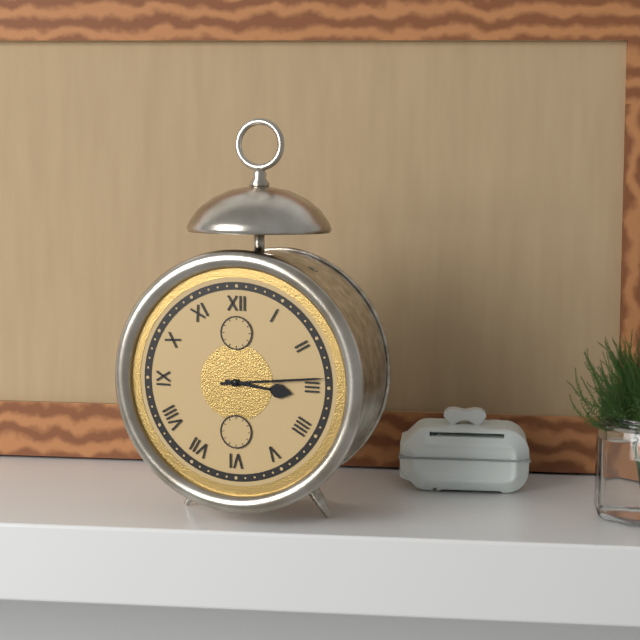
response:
h=3 m=14
